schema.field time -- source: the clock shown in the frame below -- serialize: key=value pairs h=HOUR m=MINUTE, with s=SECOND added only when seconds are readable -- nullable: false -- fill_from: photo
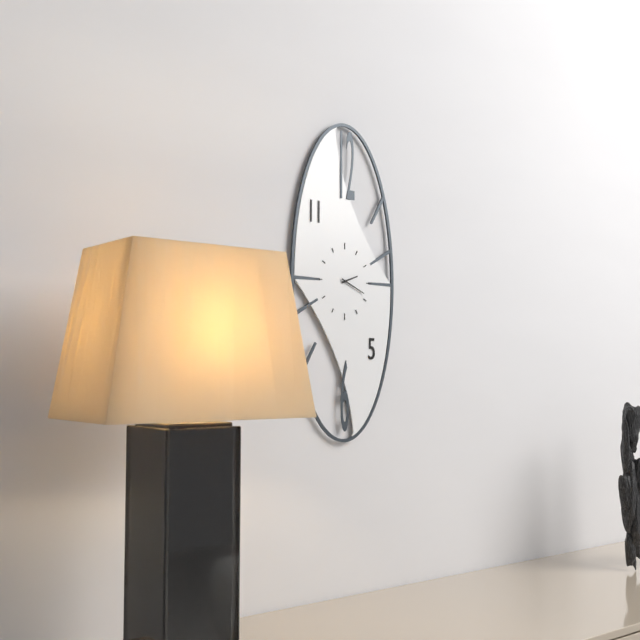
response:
h=2 m=19
